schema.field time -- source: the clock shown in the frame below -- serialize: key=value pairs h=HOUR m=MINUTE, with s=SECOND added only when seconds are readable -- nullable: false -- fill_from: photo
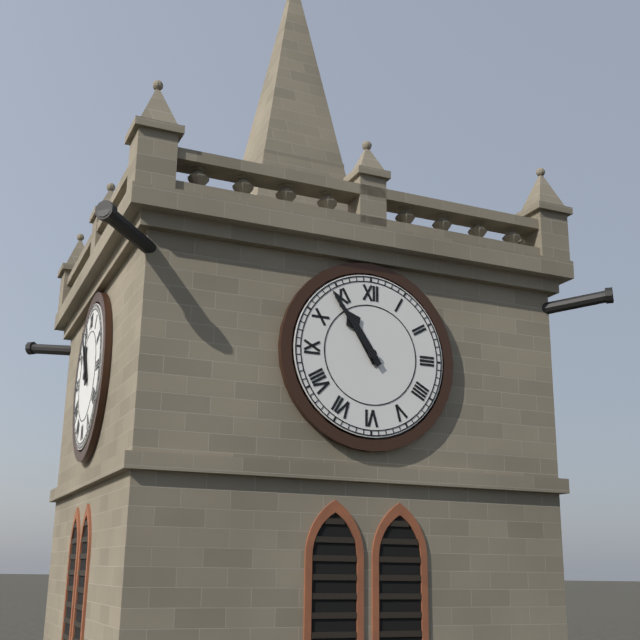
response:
h=10 m=54
